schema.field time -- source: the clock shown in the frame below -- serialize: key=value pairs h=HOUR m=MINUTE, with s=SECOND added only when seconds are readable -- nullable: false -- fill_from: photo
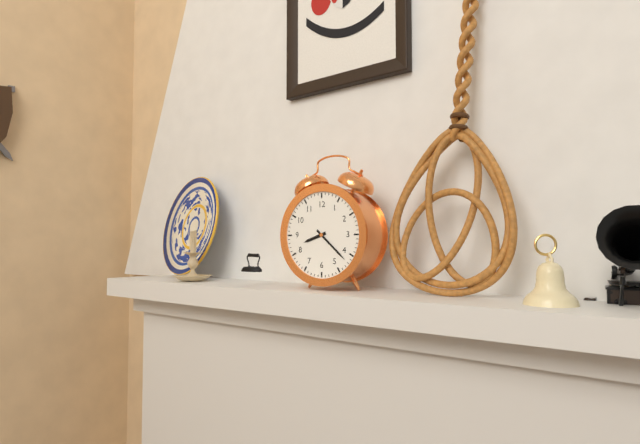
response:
h=8 m=22
